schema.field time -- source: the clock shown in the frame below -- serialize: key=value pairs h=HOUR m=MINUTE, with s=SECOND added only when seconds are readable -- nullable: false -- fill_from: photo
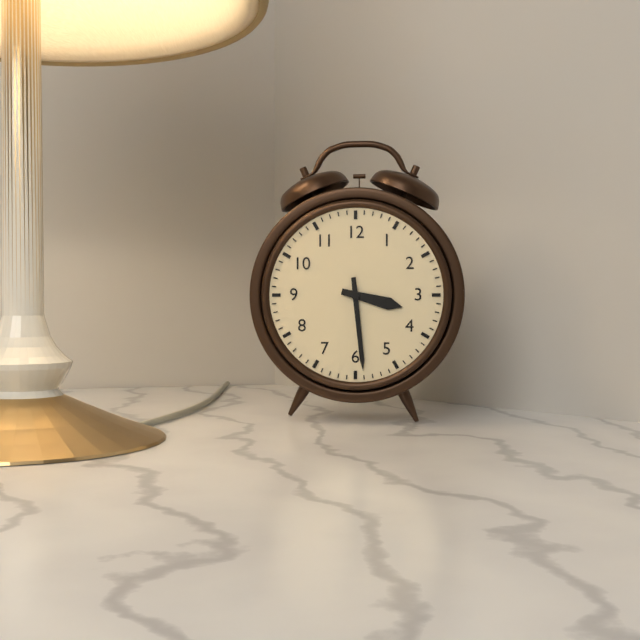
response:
h=3 m=29
